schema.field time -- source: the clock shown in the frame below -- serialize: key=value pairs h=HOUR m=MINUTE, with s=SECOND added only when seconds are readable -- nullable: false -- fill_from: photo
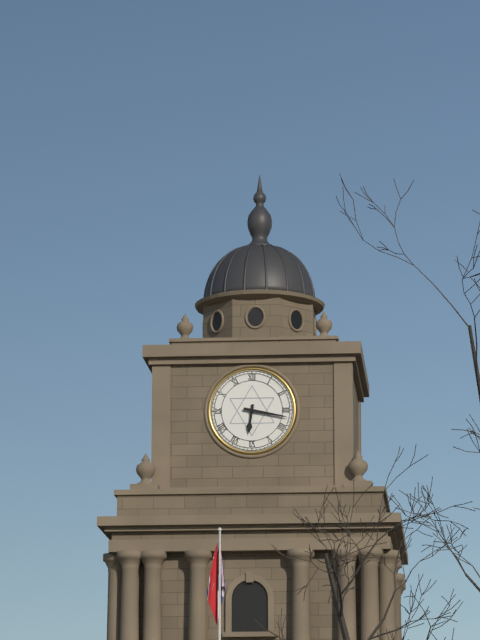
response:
h=6 m=17
